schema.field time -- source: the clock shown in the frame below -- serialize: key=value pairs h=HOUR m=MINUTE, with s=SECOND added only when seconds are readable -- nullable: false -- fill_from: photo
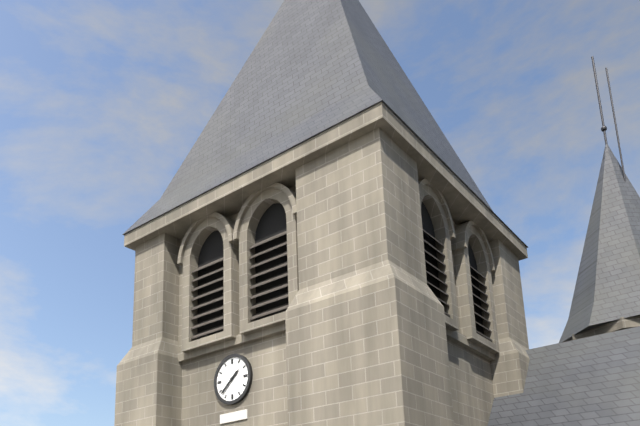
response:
h=1 m=38
